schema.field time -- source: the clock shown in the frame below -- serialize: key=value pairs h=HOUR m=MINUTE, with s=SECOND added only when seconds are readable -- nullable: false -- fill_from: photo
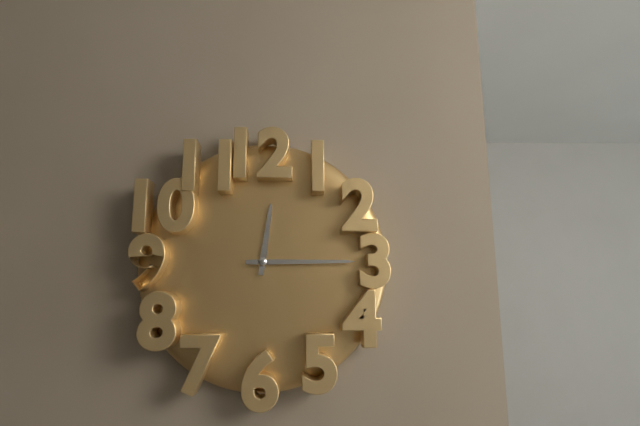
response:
h=12 m=15
